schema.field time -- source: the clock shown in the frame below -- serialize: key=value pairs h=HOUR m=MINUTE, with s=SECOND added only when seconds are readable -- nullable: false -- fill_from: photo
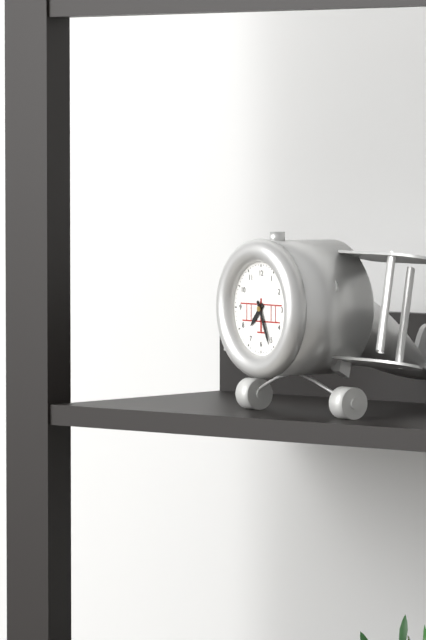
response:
h=7 m=26
